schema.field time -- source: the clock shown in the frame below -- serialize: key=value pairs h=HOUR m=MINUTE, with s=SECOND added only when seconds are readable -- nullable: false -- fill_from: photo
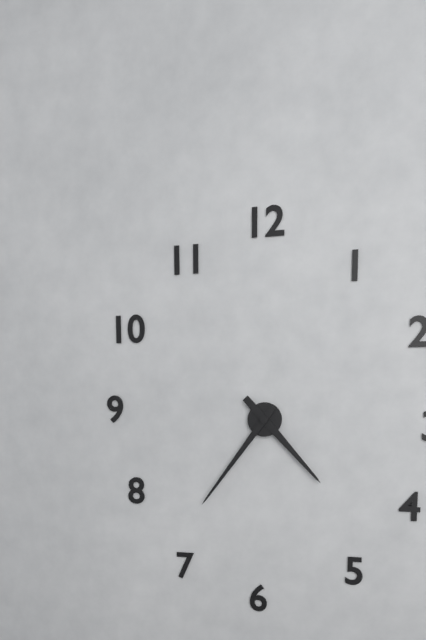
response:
h=4 m=36
